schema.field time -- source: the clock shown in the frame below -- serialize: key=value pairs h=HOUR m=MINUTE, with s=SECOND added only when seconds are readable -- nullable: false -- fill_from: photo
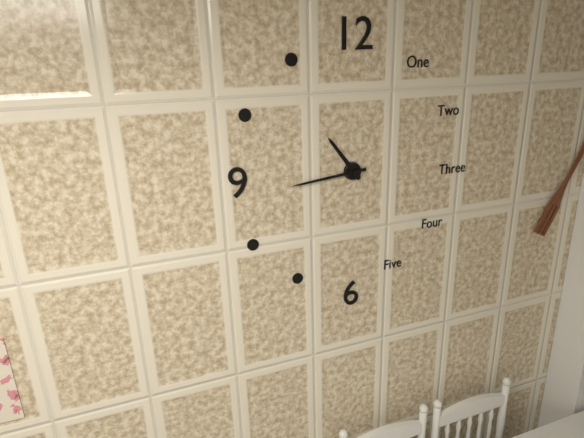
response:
h=10 m=44
